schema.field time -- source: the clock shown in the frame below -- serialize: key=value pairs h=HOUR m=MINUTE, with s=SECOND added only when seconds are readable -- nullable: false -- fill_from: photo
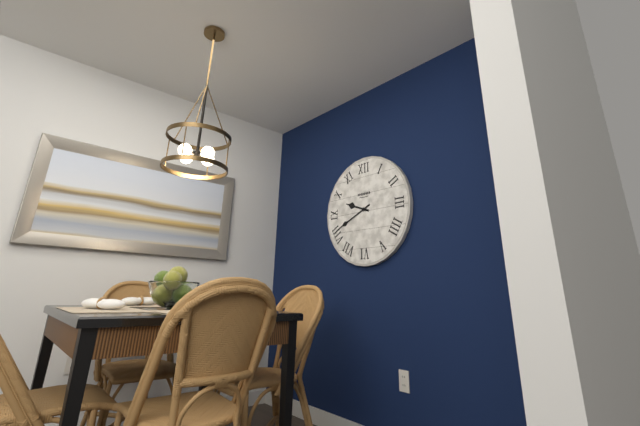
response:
h=9 m=41
